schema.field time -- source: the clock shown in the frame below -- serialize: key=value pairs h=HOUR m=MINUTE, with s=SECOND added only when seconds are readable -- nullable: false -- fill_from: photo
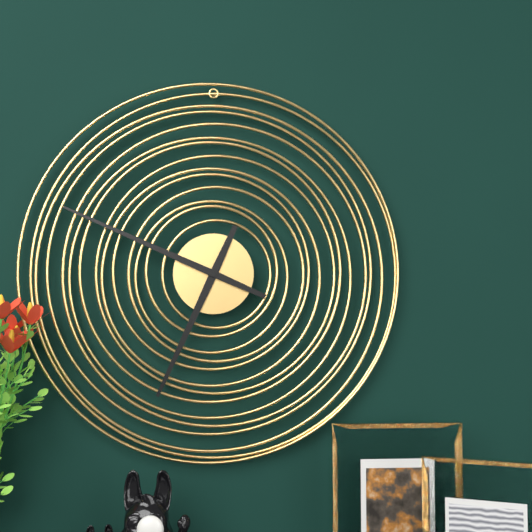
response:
h=6 m=49
